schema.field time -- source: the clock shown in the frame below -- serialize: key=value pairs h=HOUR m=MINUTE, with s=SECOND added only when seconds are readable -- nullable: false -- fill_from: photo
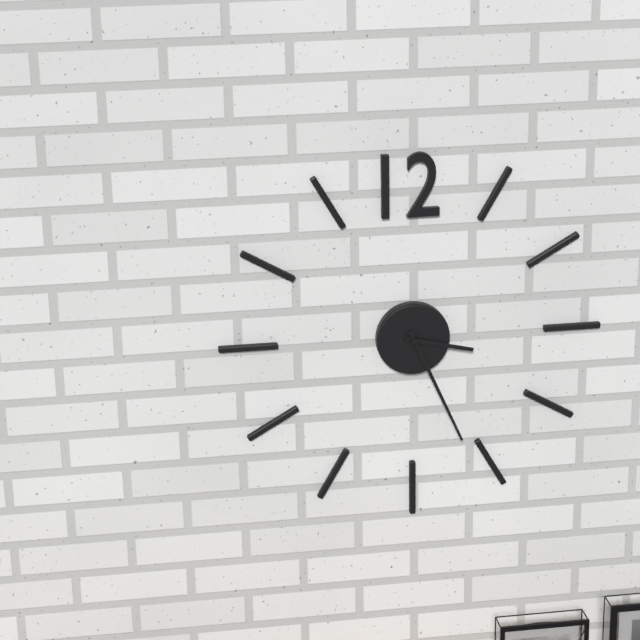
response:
h=3 m=26
